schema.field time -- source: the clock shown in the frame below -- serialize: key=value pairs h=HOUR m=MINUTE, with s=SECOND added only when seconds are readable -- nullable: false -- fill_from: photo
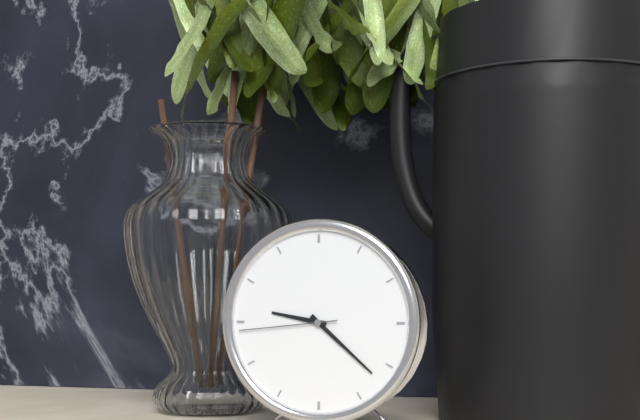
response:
h=9 m=22 s=44
